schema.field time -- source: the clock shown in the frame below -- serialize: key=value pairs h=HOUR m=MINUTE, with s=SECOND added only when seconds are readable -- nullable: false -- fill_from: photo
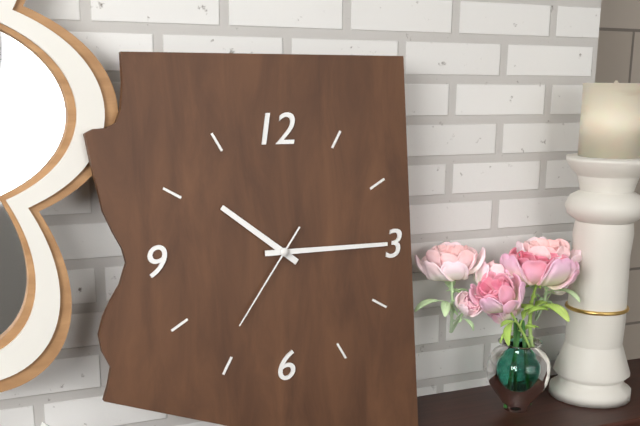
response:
h=10 m=15 s=36
